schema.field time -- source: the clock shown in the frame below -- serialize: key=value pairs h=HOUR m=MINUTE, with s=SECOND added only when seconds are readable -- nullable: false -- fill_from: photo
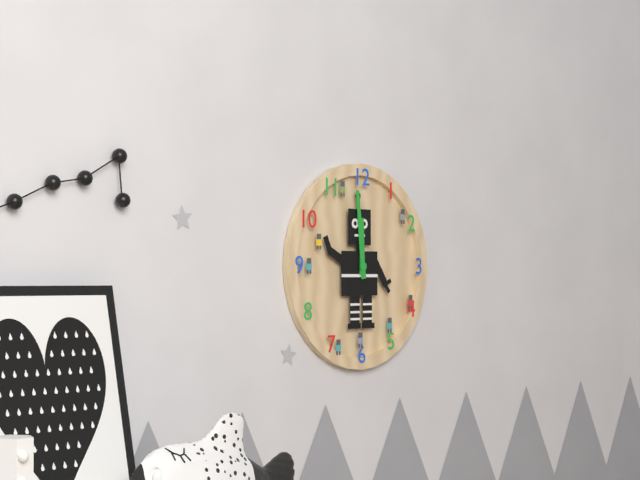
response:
h=11 m=59
